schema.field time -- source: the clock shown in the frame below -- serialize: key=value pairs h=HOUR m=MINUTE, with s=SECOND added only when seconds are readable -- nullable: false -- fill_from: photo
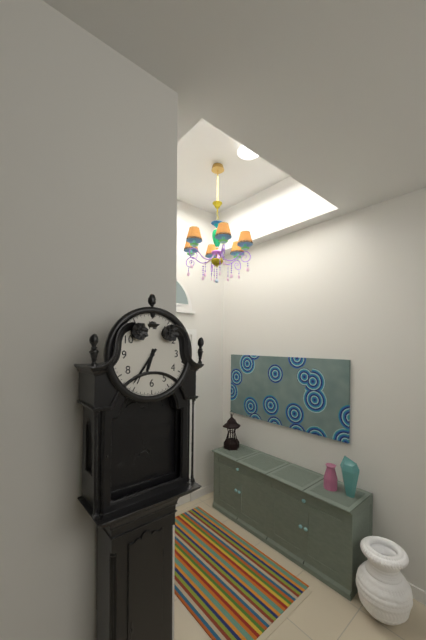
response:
h=6 m=36
